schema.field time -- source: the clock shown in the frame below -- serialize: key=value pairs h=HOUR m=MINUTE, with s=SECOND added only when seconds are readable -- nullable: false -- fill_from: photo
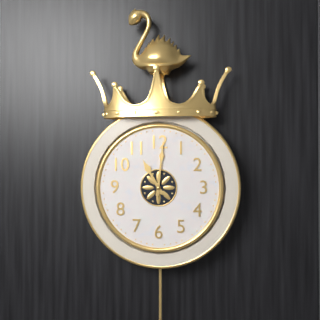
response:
h=11 m=1
